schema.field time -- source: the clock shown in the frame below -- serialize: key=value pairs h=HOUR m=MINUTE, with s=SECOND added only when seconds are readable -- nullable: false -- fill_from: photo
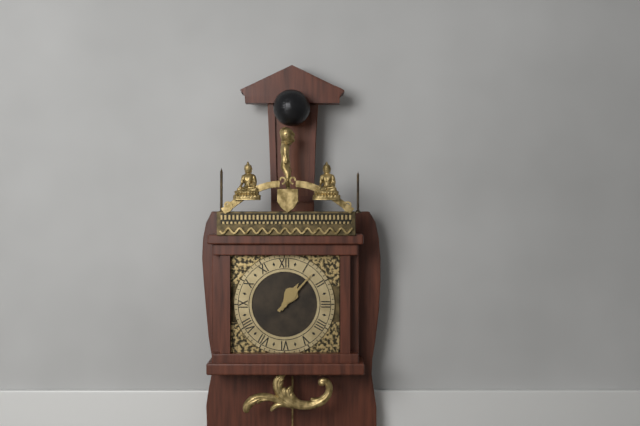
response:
h=1 m=7
